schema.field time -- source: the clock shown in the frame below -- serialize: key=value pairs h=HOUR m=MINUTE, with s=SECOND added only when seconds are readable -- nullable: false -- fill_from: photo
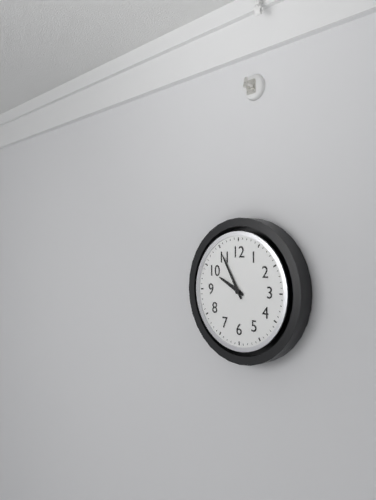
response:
h=9 m=55
